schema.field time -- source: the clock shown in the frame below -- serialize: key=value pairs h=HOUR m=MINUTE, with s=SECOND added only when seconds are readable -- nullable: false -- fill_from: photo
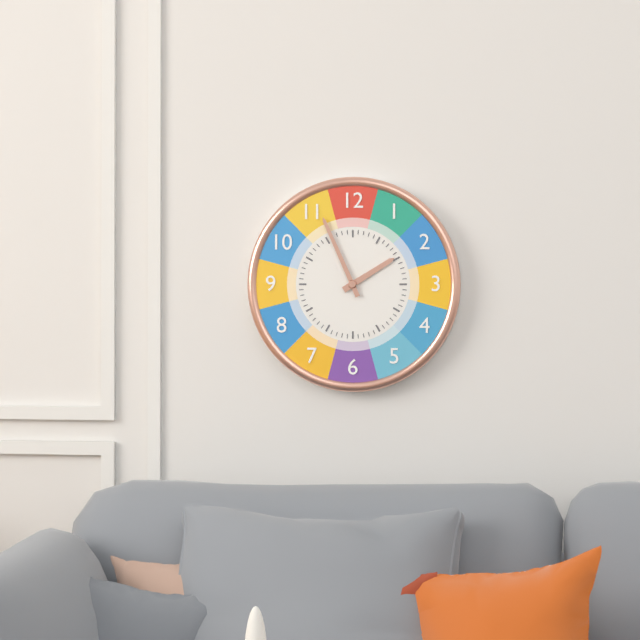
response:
h=1 m=56
